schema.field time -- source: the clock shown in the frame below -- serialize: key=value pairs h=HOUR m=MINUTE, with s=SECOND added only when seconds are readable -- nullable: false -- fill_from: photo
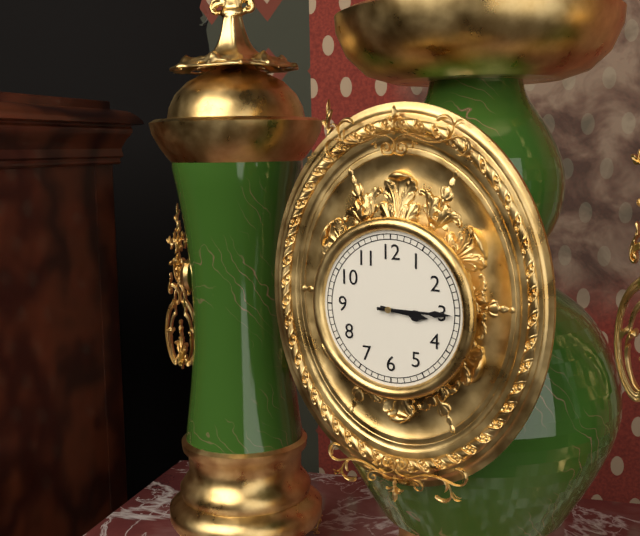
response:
h=3 m=15
